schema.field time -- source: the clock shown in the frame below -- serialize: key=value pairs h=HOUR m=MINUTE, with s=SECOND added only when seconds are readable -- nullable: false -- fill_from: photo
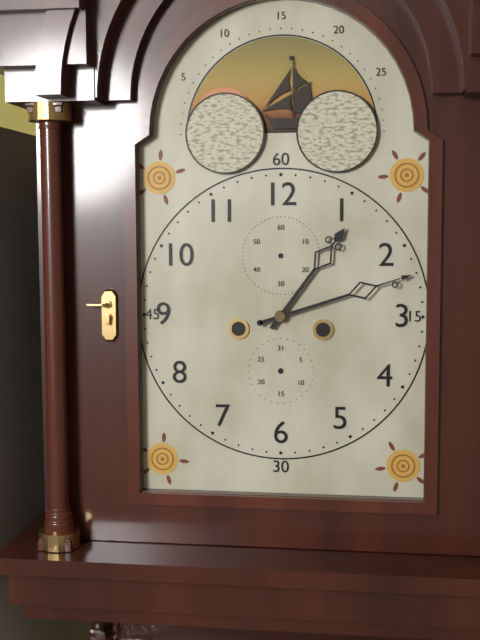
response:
h=1 m=12
